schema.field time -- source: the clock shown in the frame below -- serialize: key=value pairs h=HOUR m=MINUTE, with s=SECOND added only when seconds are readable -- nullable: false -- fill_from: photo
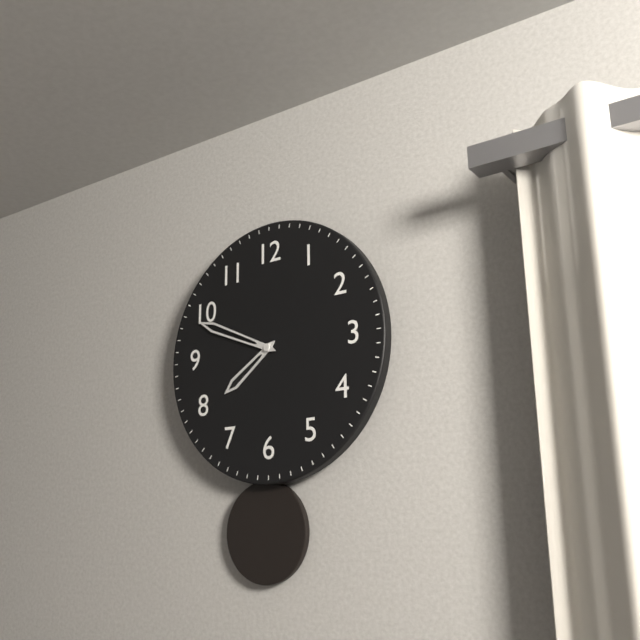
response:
h=7 m=49
